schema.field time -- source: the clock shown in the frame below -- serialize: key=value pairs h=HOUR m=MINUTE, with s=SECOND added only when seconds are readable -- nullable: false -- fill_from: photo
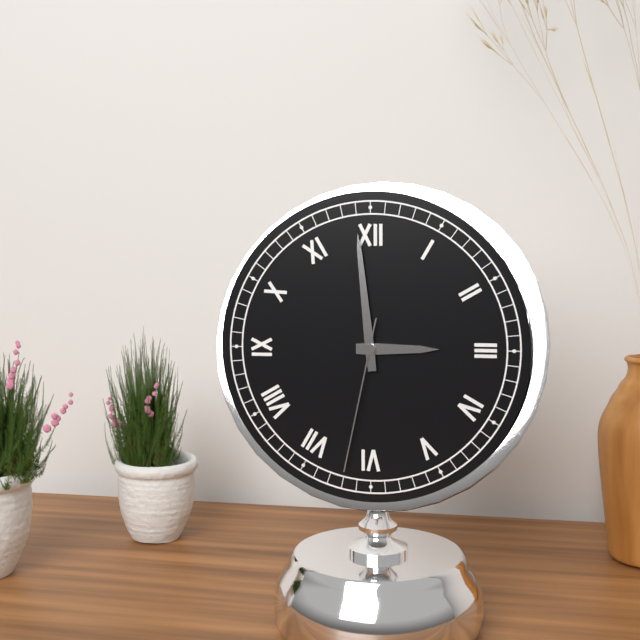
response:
h=2 m=59 s=32
